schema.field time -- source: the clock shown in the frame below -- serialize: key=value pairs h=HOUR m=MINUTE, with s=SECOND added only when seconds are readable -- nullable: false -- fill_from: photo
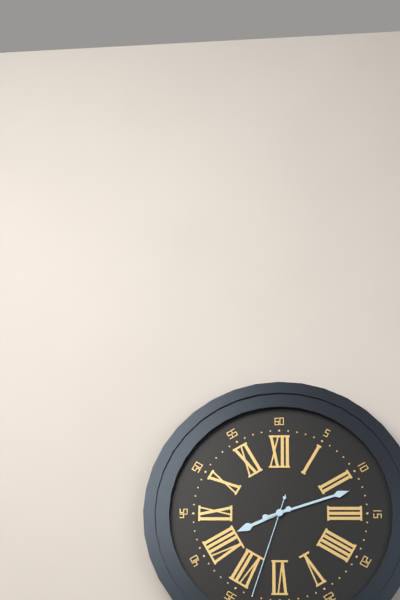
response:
h=8 m=12 s=33
